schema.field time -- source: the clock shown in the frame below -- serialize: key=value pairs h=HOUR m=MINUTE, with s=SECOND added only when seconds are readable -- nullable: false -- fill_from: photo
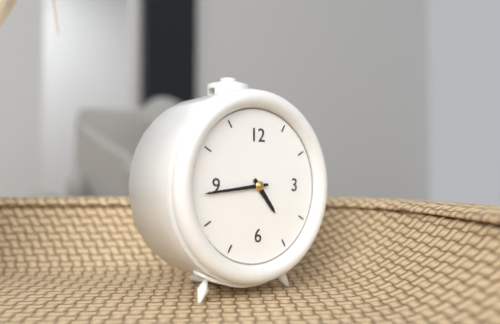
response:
h=4 m=44
